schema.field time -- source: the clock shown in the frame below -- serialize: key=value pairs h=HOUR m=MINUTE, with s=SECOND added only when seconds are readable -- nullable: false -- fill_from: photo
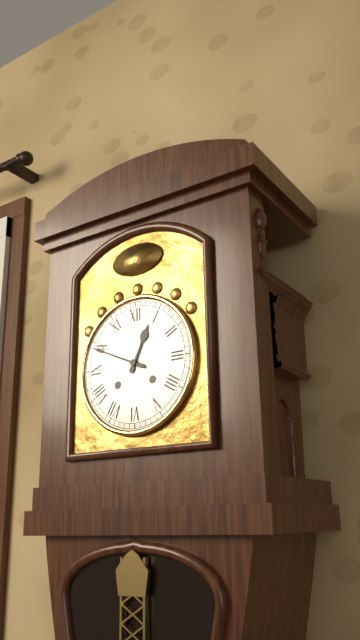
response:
h=12 m=49
